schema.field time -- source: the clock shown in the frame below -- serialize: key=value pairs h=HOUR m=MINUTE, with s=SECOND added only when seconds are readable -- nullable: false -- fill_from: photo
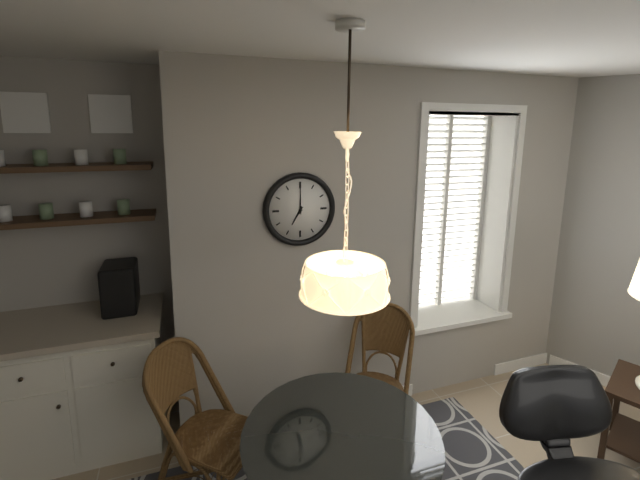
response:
h=7 m=0
